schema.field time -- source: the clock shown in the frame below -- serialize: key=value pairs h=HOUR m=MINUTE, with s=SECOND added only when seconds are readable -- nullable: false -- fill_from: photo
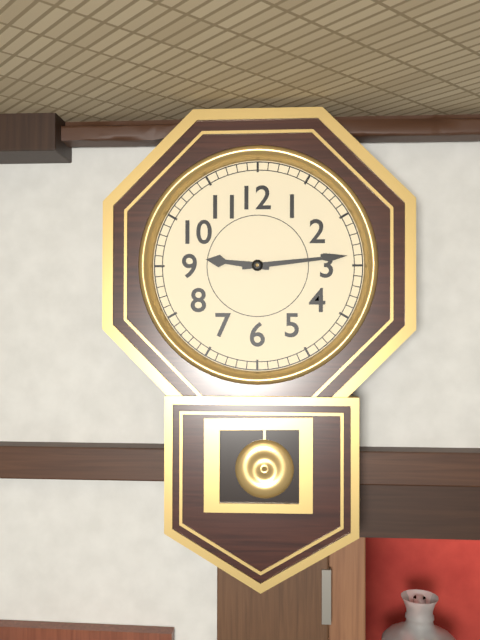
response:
h=9 m=14
